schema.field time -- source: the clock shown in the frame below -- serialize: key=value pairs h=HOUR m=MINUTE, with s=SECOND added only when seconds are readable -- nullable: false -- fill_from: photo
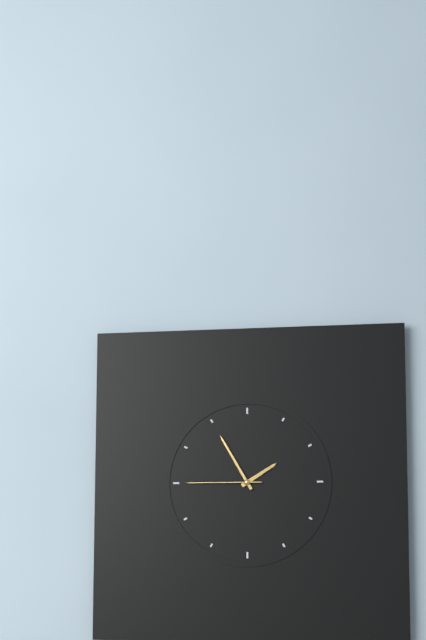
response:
h=1 m=55 s=45
